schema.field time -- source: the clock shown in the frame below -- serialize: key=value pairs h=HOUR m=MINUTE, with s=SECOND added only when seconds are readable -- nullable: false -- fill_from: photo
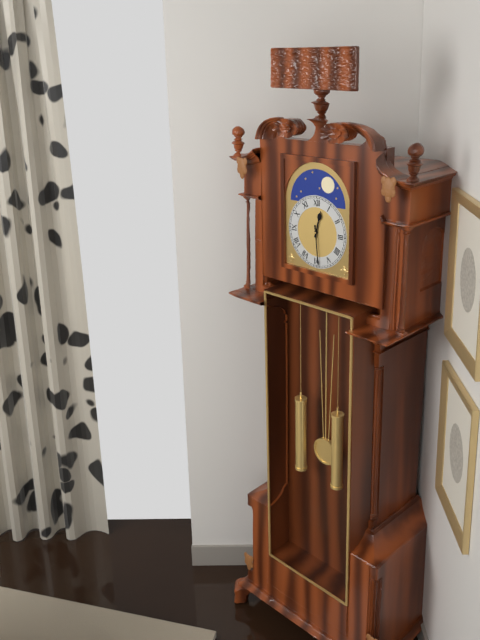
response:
h=12 m=29
